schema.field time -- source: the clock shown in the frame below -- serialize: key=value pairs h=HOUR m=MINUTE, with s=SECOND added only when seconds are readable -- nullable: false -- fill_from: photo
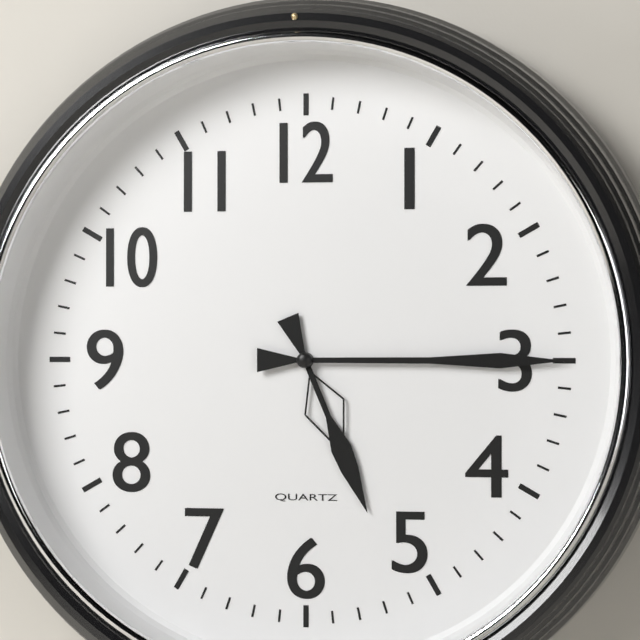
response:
h=5 m=15
